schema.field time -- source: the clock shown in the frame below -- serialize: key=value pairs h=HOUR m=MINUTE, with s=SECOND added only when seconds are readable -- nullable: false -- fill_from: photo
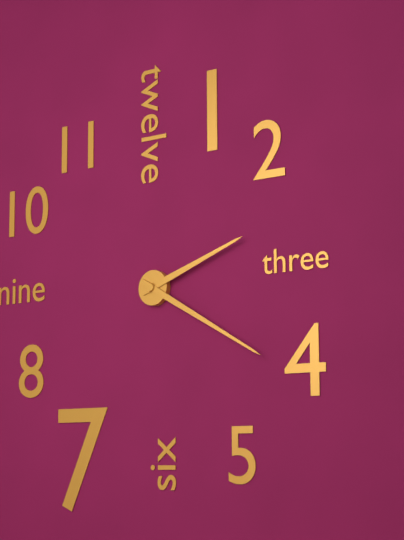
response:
h=2 m=20
